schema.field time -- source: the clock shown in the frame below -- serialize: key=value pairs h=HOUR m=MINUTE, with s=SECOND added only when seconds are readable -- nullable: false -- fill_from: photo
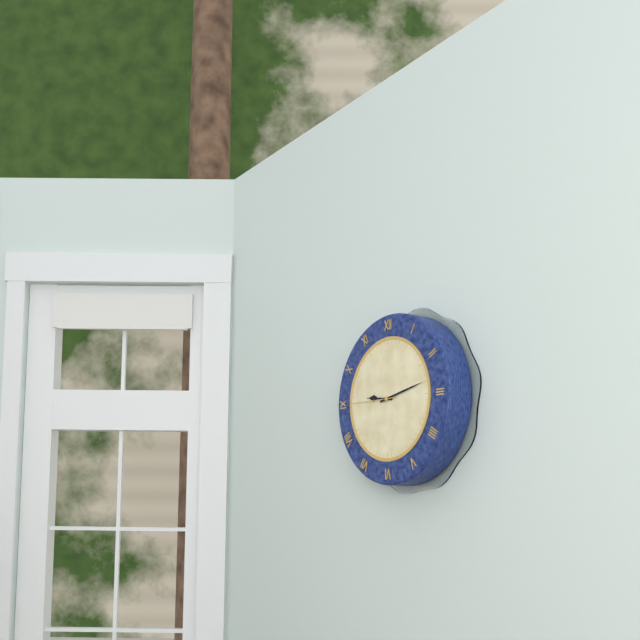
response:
h=9 m=13
